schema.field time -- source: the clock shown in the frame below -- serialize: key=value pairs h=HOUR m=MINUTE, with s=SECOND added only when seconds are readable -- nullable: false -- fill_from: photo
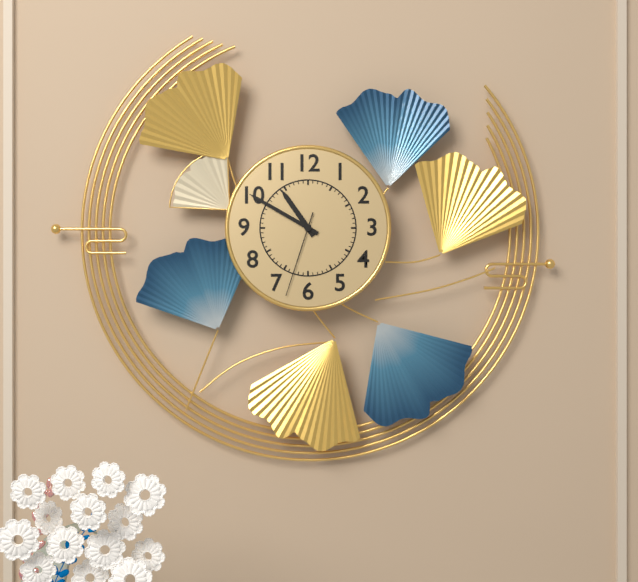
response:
h=10 m=50 s=33
